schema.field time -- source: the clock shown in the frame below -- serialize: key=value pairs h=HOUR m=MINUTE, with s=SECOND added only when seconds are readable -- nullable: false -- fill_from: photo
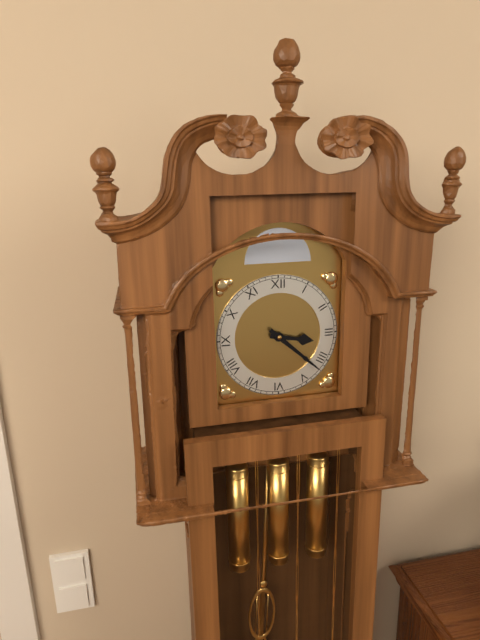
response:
h=3 m=22
